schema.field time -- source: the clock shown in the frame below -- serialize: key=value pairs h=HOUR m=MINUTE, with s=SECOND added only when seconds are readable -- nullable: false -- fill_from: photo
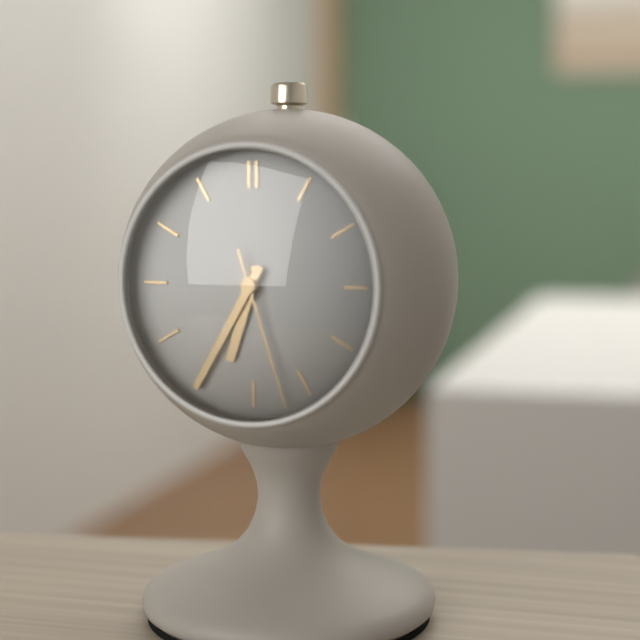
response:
h=6 m=35 s=27
